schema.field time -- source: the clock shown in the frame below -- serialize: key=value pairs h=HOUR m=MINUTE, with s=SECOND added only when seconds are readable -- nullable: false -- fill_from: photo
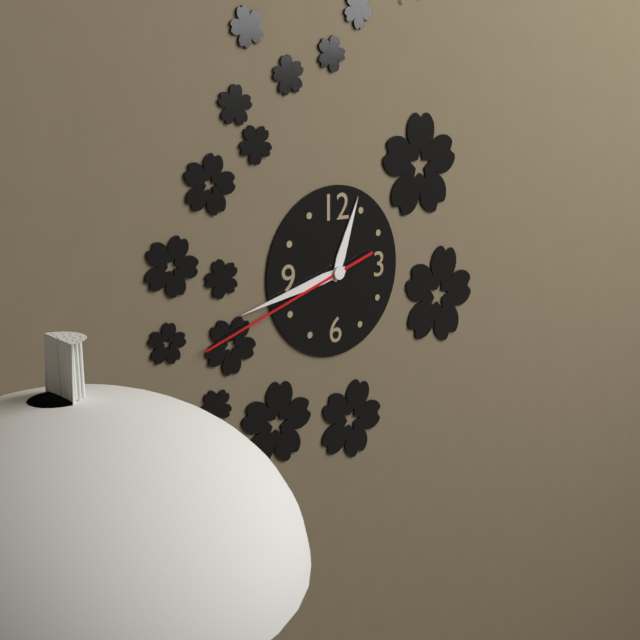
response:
h=12 m=43 s=42
